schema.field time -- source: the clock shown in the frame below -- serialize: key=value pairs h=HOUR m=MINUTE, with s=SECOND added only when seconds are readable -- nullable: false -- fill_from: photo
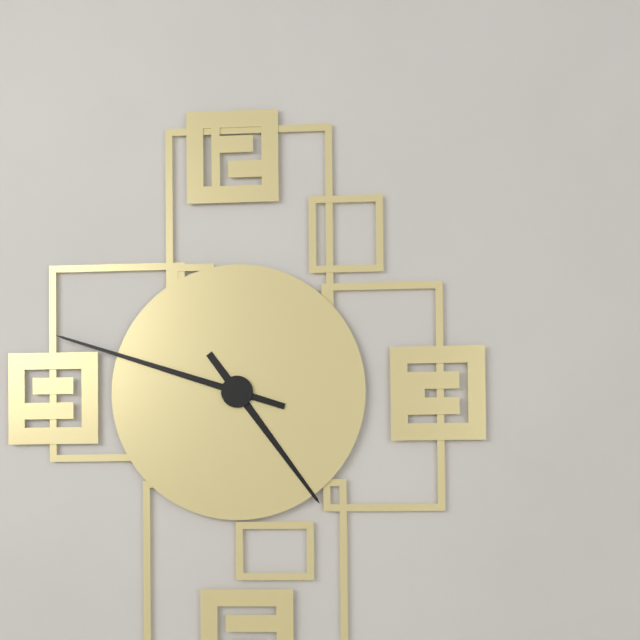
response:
h=4 m=48
